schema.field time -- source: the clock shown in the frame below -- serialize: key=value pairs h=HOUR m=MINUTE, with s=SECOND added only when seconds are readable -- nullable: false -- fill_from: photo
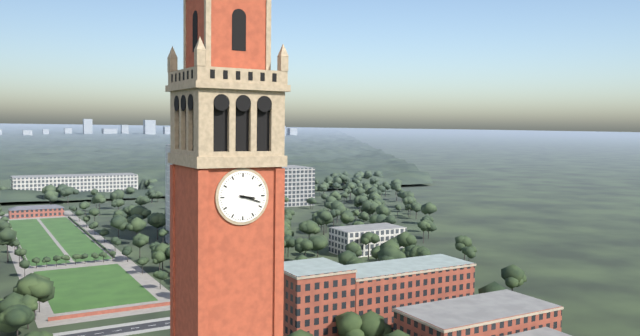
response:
h=3 m=18
